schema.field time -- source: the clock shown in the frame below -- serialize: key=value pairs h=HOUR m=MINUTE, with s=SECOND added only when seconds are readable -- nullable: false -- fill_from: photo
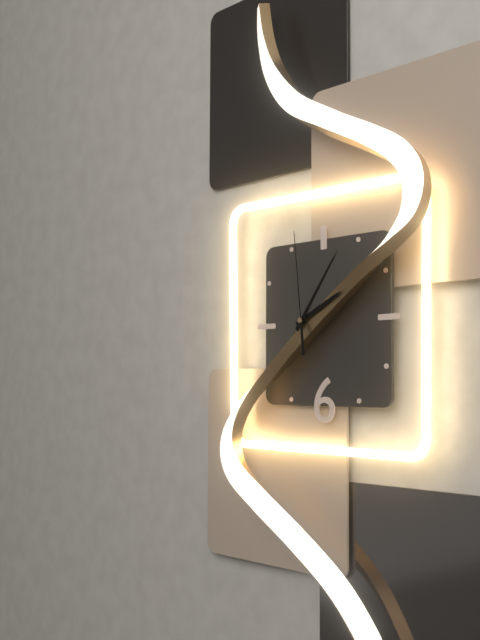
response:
h=2 m=6 s=59
